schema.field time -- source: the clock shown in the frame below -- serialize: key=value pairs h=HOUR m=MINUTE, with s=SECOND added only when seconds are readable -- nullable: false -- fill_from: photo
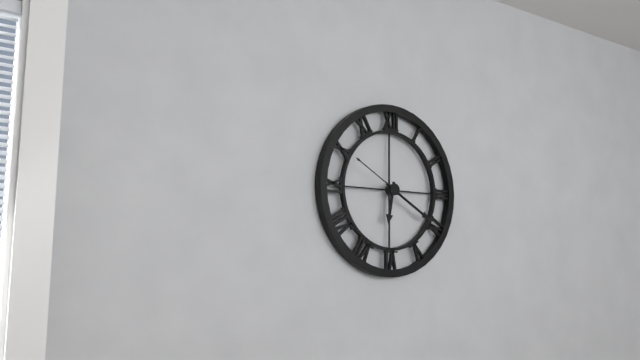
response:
h=6 m=20 s=50
